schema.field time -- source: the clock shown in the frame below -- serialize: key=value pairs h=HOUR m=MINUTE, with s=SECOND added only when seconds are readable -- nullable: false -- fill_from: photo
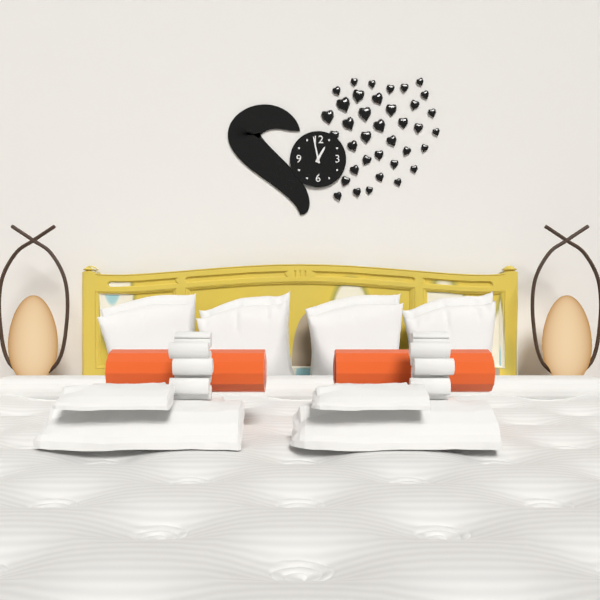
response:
h=12 m=58
